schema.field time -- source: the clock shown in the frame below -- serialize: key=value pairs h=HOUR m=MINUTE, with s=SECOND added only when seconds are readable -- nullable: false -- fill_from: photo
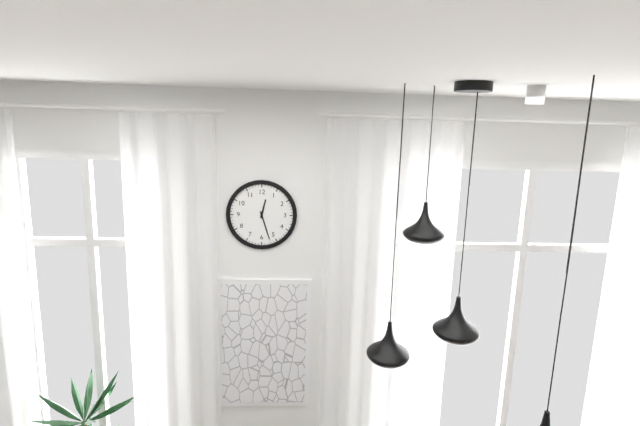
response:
h=12 m=27
